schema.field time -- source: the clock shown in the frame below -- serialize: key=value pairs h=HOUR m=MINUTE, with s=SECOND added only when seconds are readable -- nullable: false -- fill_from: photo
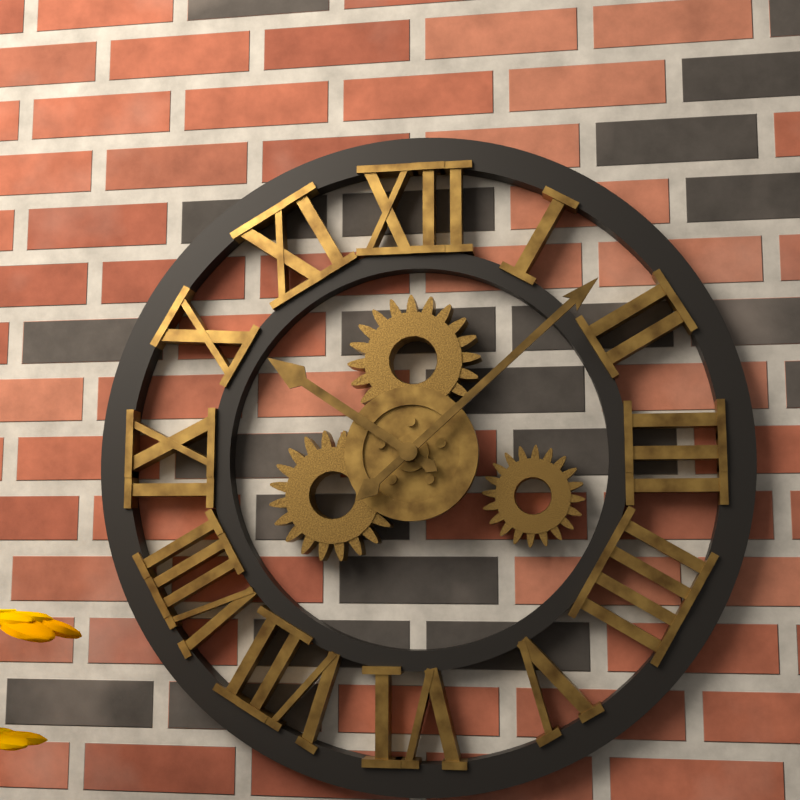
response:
h=10 m=8
